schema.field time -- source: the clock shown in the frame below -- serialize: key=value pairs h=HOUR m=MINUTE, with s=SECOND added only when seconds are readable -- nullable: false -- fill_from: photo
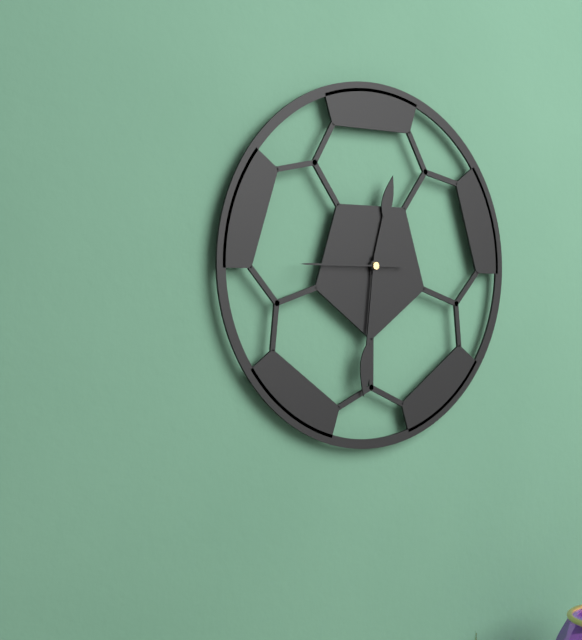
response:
h=12 m=31 s=45
